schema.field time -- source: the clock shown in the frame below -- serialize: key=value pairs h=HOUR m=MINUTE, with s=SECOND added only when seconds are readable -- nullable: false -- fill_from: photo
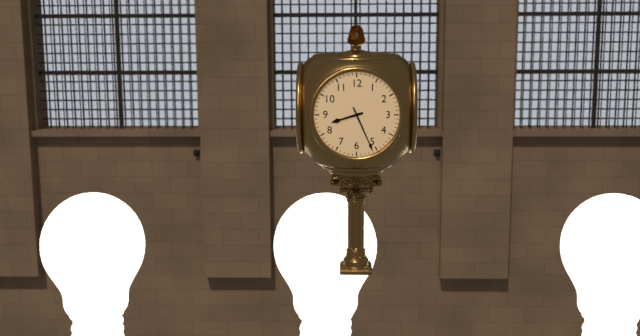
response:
h=8 m=26
